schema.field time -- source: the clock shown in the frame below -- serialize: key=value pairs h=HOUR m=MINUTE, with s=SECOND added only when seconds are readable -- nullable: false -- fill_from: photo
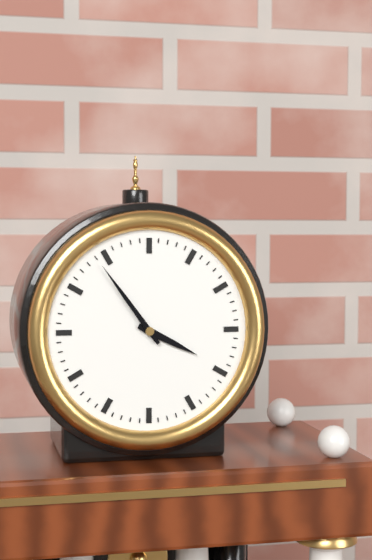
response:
h=3 m=54
